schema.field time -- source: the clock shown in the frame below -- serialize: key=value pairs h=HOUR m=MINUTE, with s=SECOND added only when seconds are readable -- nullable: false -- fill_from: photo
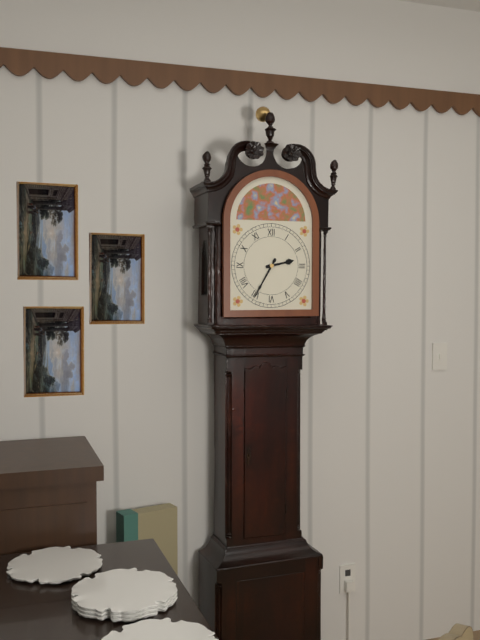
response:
h=2 m=35
